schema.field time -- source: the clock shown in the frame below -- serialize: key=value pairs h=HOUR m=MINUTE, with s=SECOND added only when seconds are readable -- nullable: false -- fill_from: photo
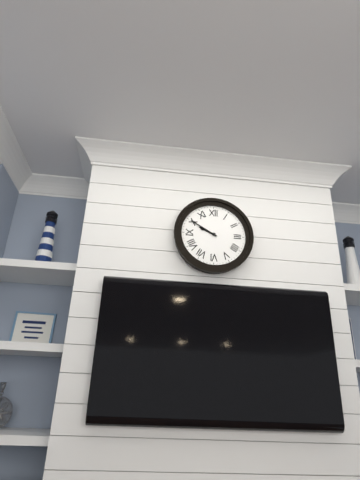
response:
h=9 m=50
